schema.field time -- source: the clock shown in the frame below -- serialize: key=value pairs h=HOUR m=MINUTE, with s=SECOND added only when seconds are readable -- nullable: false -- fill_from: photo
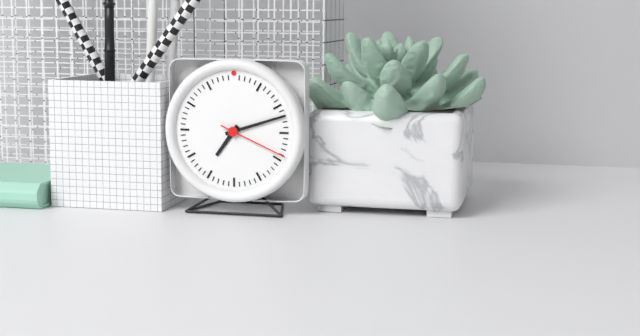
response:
h=7 m=12 s=19
